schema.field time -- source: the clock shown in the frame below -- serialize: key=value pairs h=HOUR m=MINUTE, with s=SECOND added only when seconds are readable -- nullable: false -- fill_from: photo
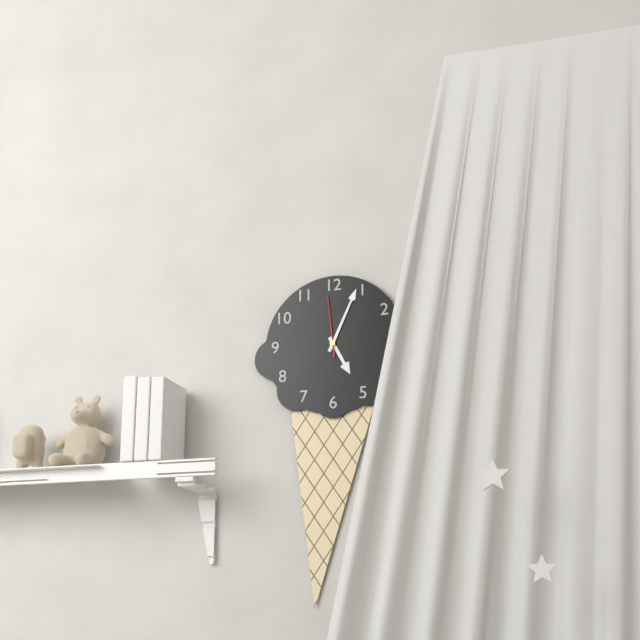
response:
h=5 m=4 s=59
